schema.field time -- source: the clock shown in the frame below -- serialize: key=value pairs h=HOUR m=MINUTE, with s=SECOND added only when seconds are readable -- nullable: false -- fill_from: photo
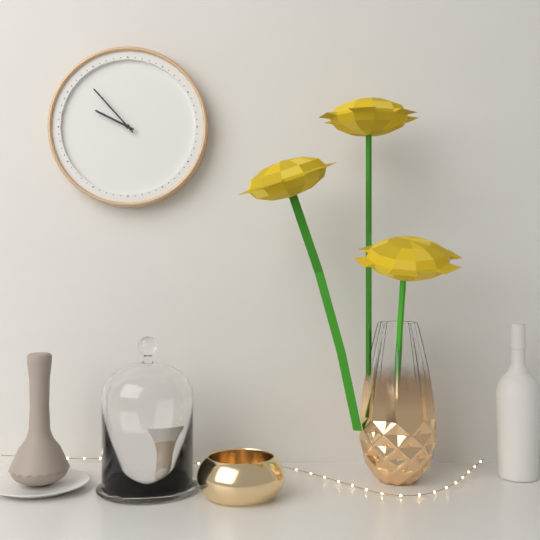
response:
h=9 m=53
